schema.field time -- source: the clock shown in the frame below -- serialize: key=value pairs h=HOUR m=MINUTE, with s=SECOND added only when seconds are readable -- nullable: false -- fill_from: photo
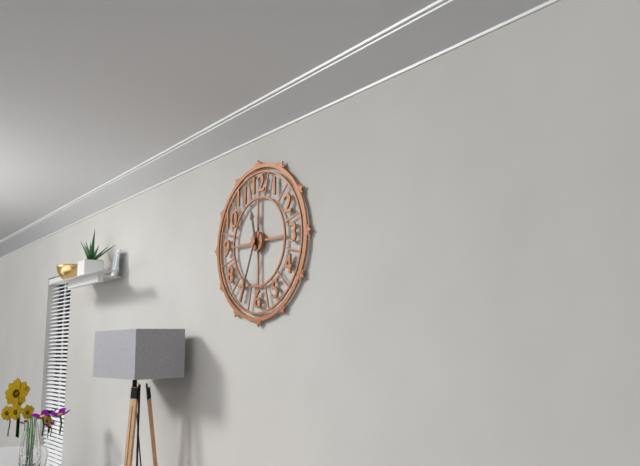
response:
h=11 m=34
